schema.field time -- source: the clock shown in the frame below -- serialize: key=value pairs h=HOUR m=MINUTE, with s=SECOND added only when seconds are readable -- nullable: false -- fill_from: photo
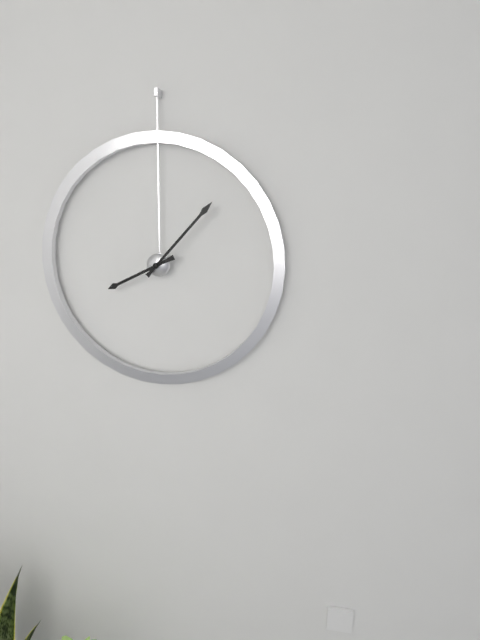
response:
h=8 m=7
